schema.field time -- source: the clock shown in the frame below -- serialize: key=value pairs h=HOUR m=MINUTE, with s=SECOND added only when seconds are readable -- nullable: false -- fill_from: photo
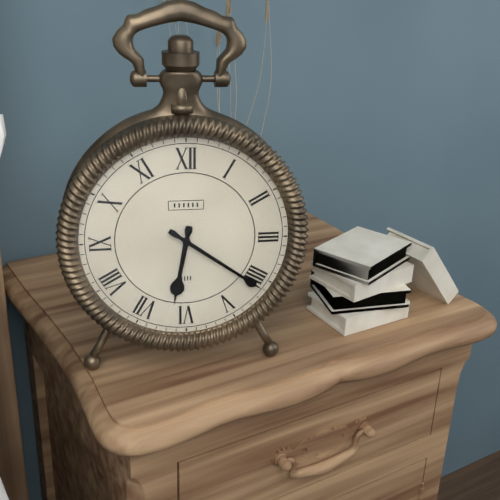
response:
h=6 m=21
